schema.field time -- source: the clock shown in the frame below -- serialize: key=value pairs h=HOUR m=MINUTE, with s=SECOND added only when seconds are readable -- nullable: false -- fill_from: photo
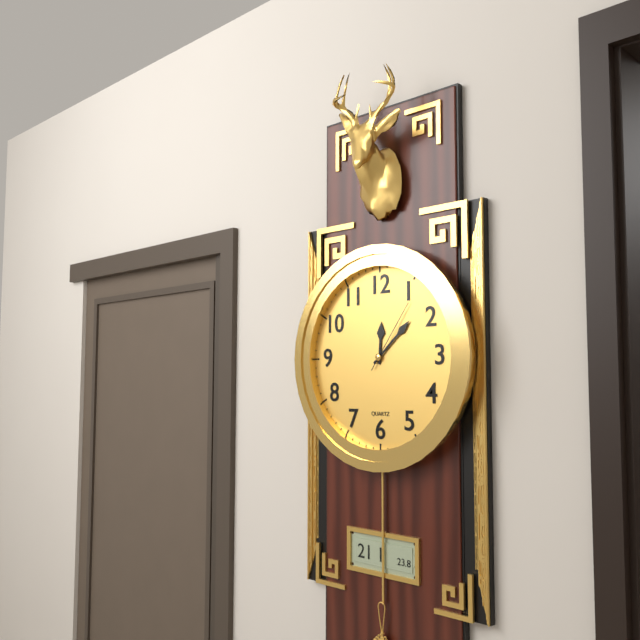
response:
h=12 m=8 s=6
